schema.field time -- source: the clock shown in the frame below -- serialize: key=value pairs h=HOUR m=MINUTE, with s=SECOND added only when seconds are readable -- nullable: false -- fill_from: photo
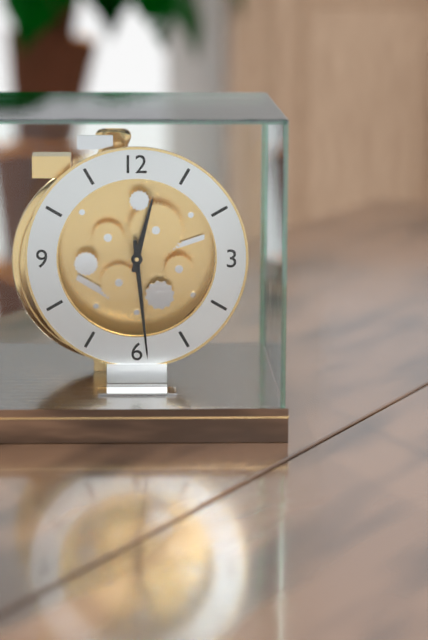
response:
h=12 m=29
